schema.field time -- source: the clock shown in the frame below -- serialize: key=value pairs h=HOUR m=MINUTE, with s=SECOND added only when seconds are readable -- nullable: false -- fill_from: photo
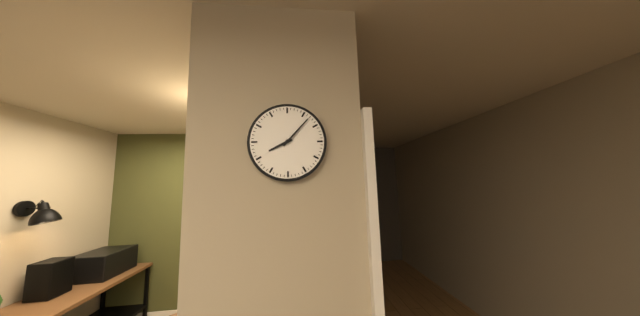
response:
h=8 m=7
